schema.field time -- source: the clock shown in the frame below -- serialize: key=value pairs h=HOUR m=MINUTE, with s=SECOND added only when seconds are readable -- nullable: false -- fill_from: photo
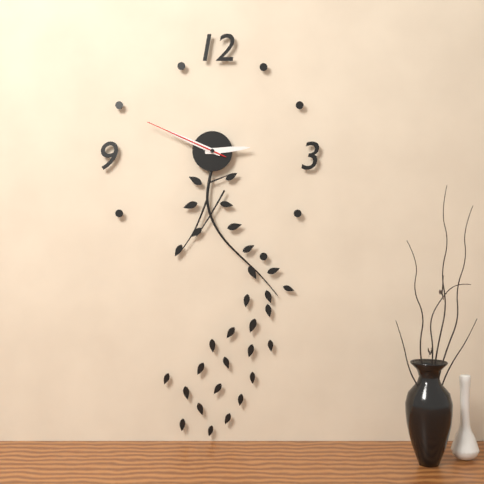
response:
h=2 m=49 s=49
